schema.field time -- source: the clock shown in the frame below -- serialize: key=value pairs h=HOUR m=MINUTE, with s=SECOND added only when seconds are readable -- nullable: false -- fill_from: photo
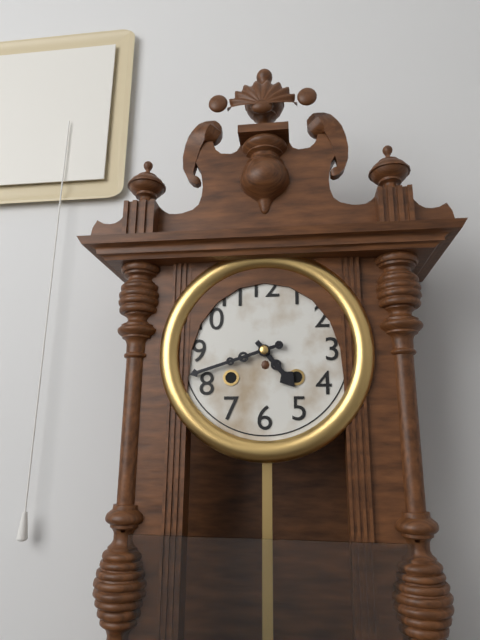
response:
h=4 m=42
